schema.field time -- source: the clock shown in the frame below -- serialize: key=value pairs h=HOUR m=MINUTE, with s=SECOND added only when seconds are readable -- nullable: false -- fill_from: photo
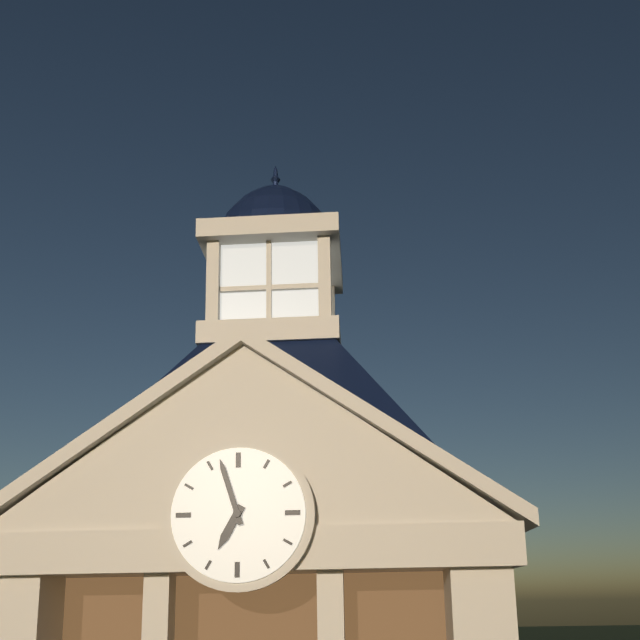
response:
h=6 m=57
